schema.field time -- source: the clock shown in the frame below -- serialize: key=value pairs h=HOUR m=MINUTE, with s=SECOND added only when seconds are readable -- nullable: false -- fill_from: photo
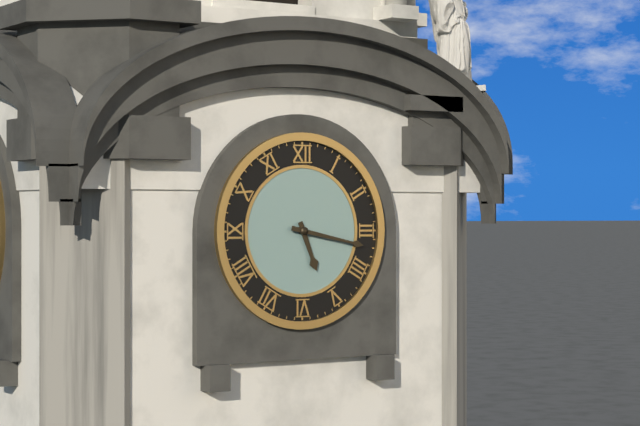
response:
h=5 m=17
